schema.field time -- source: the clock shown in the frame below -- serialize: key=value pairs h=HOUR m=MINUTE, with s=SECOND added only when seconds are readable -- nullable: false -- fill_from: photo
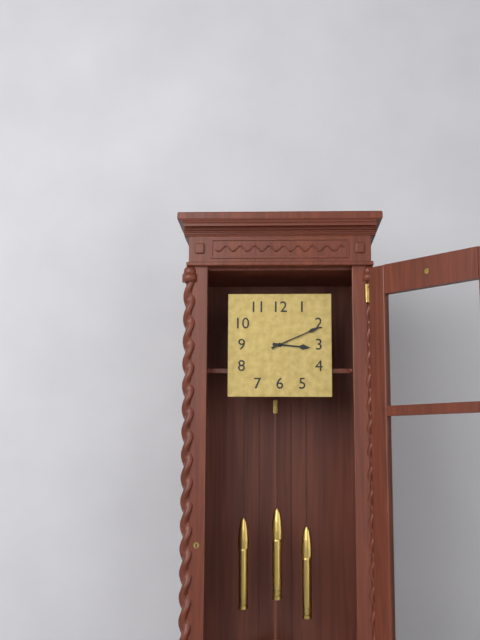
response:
h=3 m=11
